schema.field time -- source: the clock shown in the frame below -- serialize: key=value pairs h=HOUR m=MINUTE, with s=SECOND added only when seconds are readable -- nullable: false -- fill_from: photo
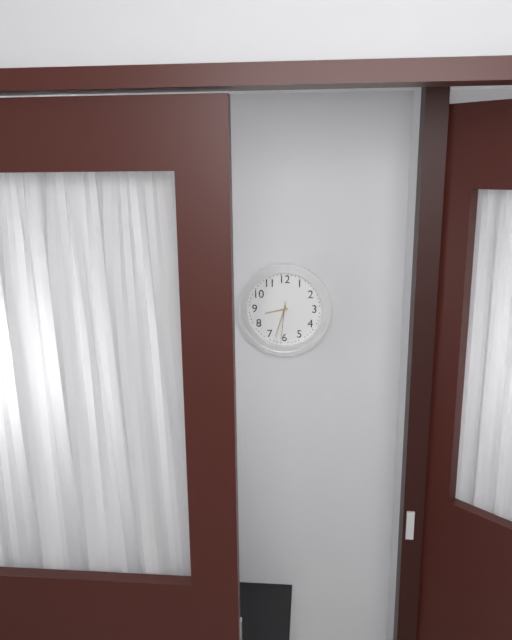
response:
h=8 m=33
